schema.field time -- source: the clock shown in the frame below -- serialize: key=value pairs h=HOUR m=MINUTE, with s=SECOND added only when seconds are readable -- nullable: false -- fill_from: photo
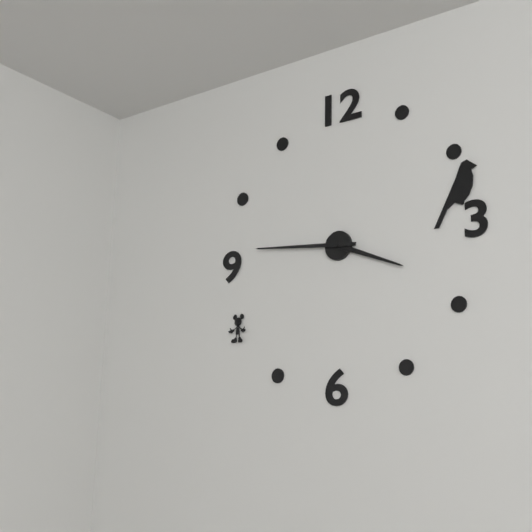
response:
h=3 m=46
